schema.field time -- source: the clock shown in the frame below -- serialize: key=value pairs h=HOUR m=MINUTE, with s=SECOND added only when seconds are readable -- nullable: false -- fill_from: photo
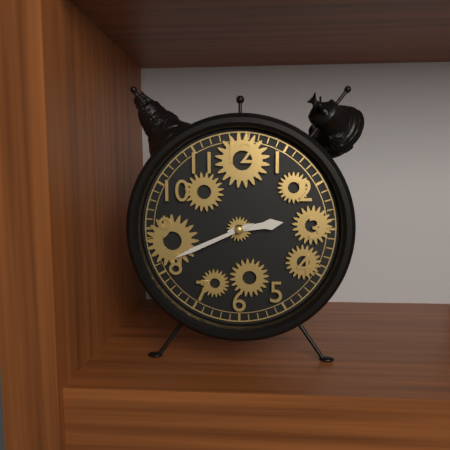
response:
h=2 m=41
